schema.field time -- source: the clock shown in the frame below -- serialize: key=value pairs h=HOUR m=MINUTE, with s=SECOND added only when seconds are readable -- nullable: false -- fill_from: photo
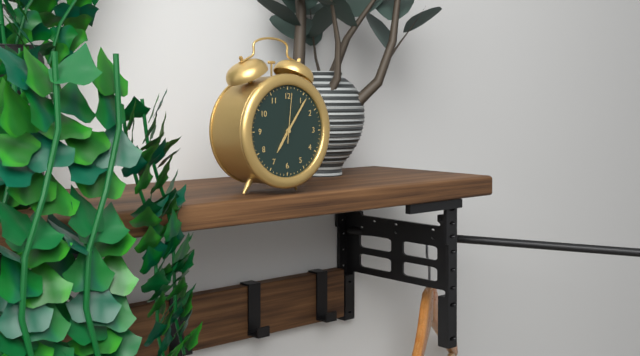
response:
h=7 m=6
